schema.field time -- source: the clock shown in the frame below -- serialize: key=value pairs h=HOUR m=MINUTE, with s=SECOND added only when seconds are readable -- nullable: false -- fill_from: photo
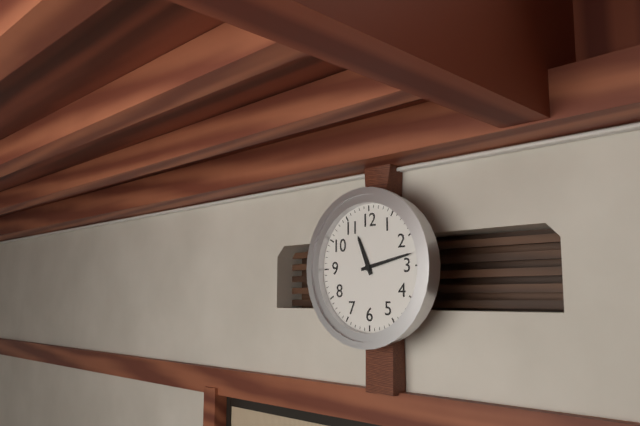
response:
h=11 m=13
